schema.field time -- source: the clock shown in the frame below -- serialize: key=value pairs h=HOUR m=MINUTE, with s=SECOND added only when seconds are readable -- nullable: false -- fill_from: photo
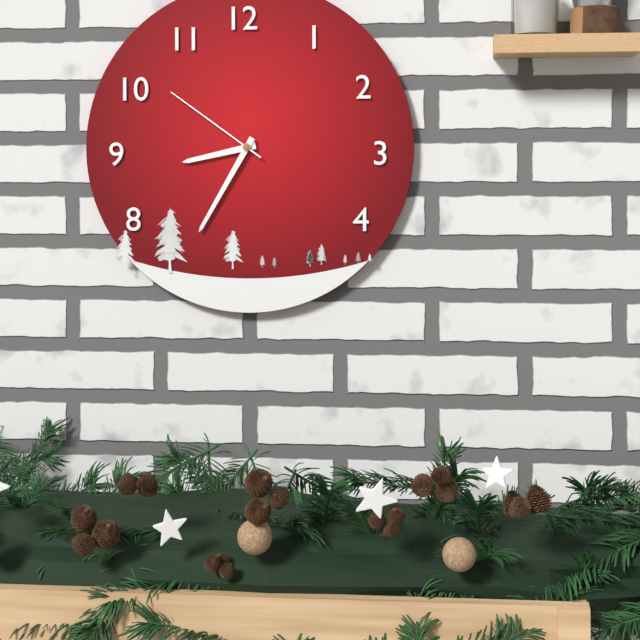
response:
h=8 m=35 s=51
